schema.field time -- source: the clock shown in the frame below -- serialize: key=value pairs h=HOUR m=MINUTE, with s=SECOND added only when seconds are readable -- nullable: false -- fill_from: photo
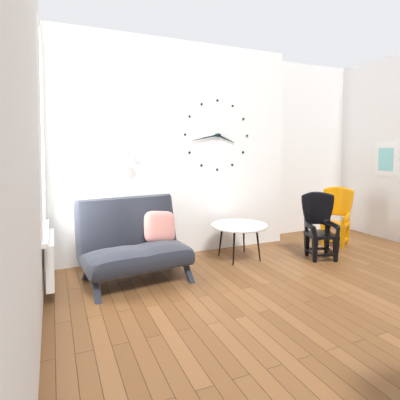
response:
h=3 m=43
